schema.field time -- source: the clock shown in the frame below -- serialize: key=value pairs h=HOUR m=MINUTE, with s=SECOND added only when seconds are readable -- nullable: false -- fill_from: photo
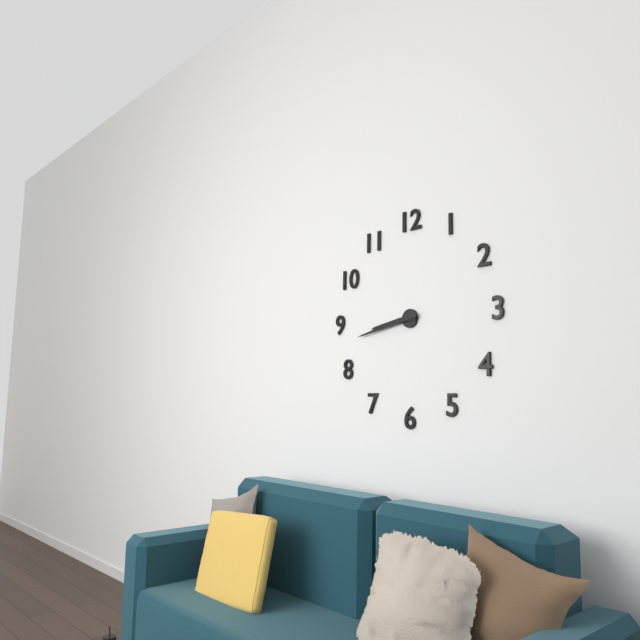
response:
h=8 m=43
